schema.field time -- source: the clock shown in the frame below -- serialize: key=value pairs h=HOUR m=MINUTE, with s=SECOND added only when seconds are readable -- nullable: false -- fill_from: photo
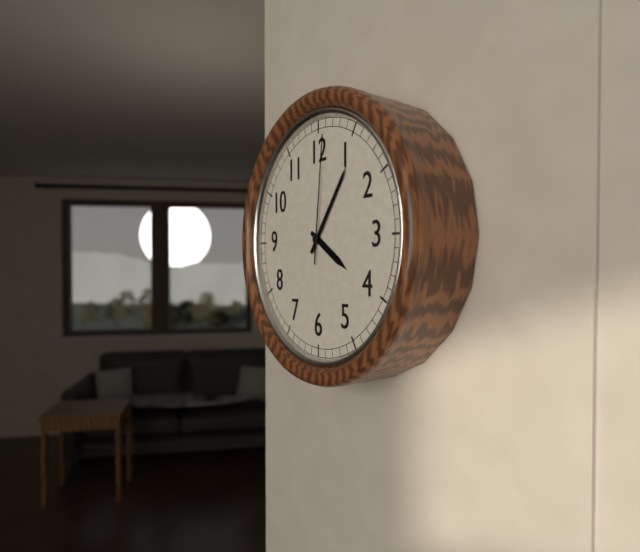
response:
h=4 m=6 s=1
